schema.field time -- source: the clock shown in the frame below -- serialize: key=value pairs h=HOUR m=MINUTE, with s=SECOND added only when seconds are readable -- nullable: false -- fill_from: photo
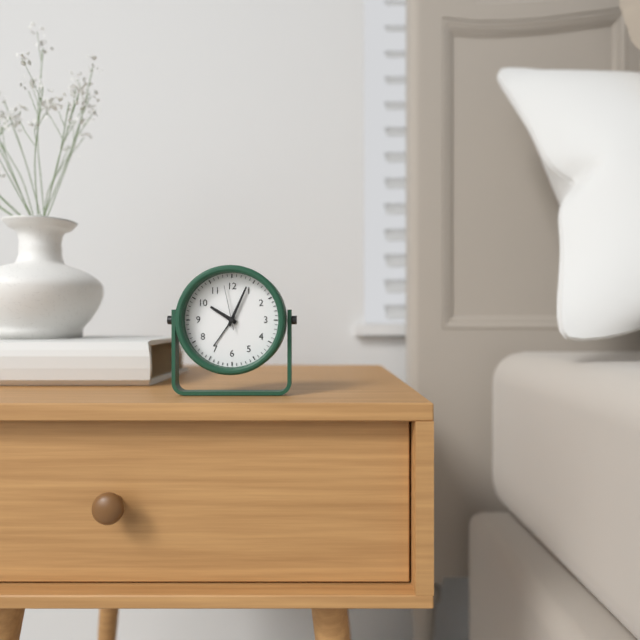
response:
h=10 m=4
